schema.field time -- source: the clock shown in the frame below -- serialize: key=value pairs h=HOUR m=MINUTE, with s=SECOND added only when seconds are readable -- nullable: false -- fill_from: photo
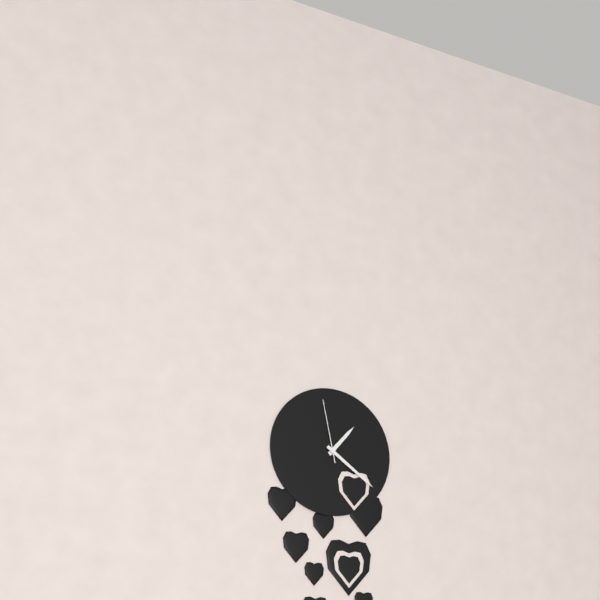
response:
h=1 m=21 s=58
